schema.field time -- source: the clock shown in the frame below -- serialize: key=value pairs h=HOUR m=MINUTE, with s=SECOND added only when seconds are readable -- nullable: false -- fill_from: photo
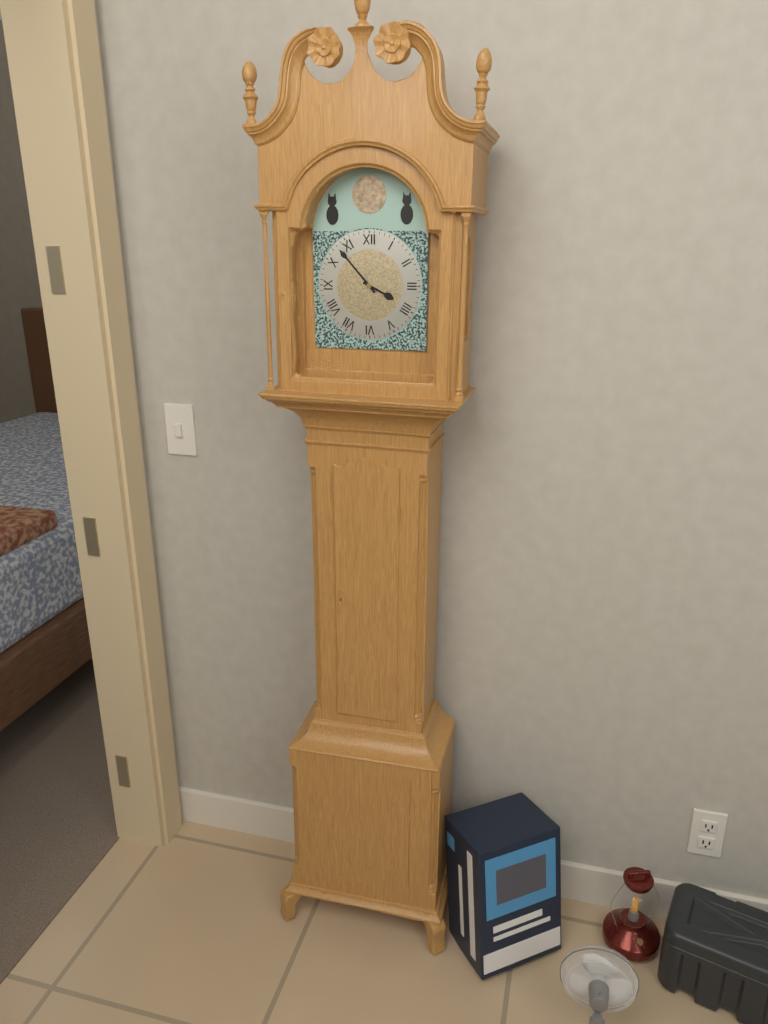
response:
h=3 m=53
